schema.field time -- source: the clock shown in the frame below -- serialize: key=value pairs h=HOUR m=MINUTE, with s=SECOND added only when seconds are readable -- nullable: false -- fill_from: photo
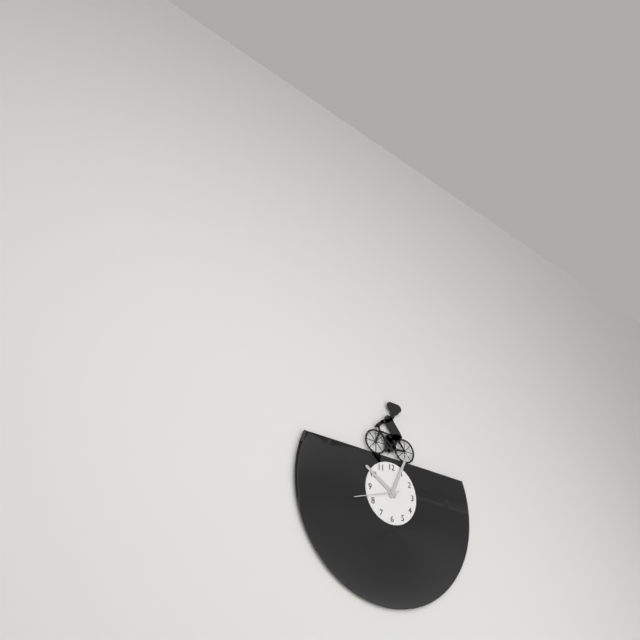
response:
h=10 m=4
